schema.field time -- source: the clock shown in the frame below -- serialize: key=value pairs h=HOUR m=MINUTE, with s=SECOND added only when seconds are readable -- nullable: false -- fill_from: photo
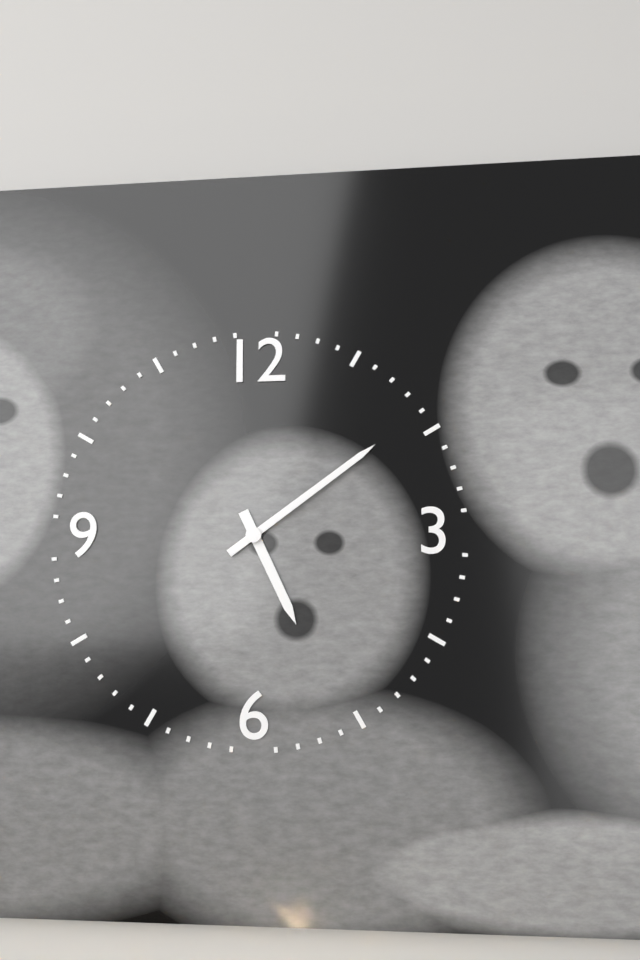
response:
h=5 m=9
